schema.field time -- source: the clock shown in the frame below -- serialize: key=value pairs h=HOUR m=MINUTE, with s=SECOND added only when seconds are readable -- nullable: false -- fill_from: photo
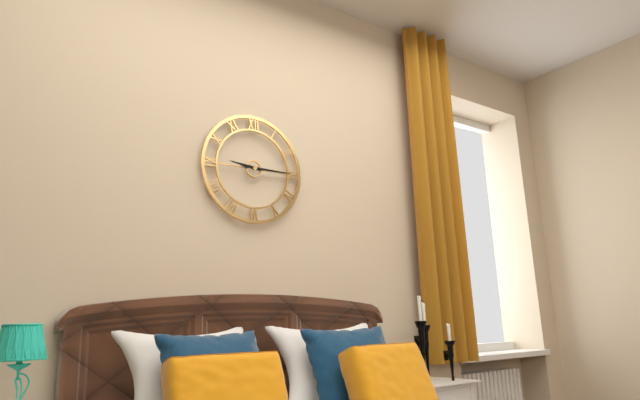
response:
h=9 m=15
